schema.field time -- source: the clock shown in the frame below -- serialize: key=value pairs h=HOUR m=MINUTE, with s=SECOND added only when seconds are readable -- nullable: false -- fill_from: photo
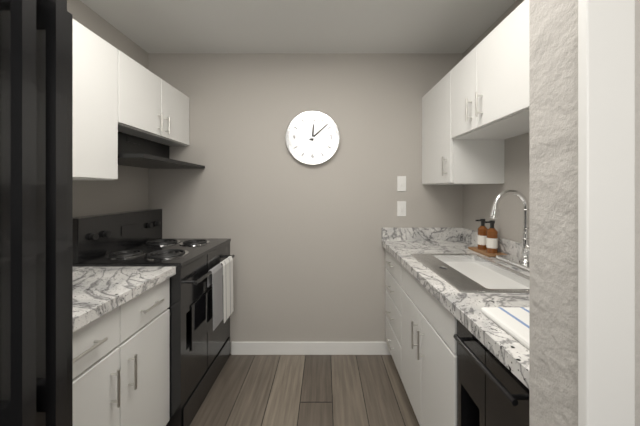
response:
h=12 m=8
